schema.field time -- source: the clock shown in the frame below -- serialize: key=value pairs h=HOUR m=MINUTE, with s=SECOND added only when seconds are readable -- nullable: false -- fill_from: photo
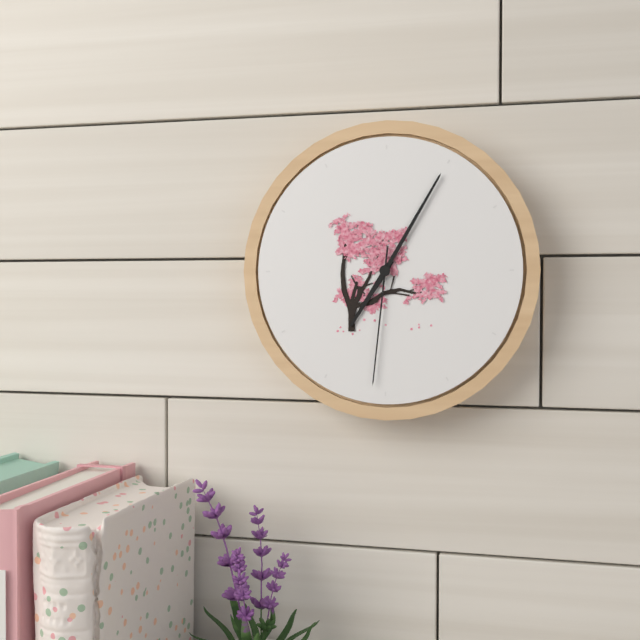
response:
h=7 m=5 s=31
